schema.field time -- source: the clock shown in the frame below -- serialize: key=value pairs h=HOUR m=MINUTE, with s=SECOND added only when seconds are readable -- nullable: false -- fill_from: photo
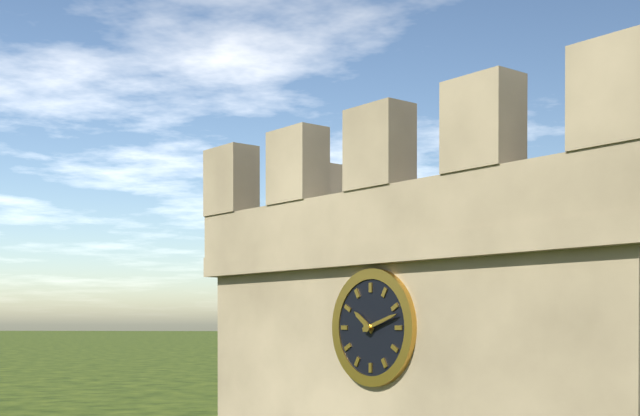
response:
h=10 m=12
